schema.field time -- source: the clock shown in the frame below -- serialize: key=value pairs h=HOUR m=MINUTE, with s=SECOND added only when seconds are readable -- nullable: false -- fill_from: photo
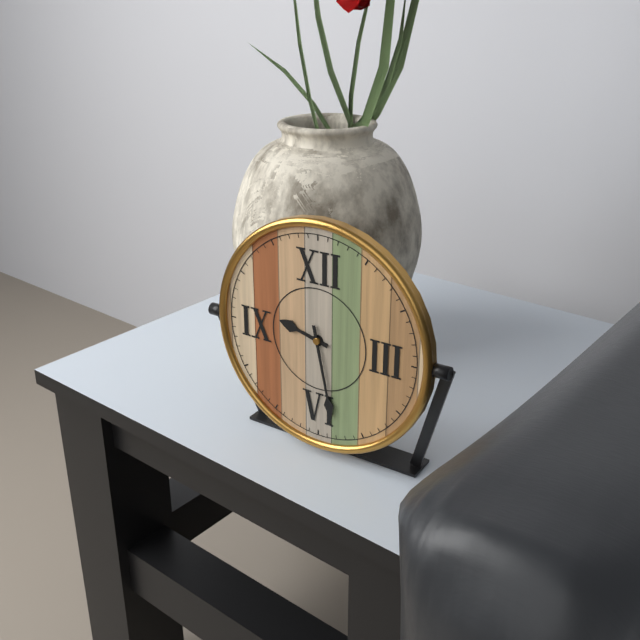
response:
h=9 m=28
